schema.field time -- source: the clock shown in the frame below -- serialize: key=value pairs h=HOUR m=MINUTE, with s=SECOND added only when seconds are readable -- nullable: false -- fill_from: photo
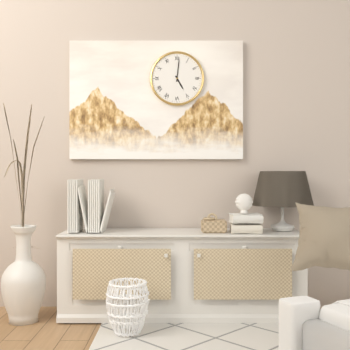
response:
h=5 m=1
